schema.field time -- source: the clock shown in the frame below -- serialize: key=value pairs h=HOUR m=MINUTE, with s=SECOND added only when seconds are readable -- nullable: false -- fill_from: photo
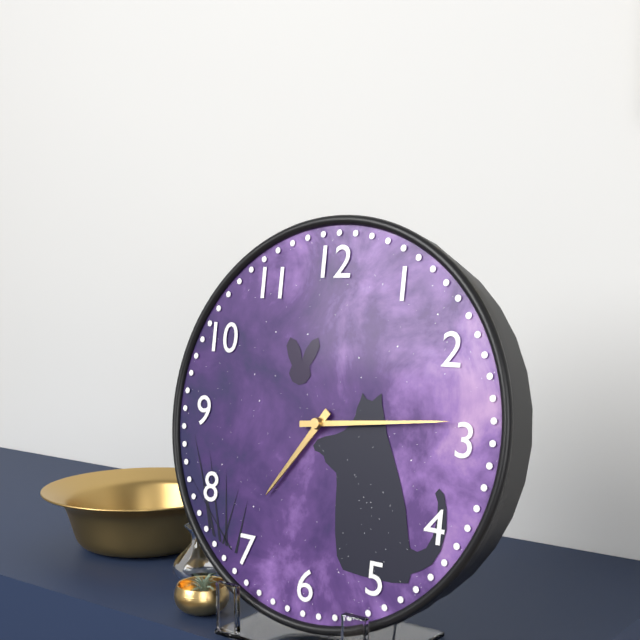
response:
h=7 m=14
